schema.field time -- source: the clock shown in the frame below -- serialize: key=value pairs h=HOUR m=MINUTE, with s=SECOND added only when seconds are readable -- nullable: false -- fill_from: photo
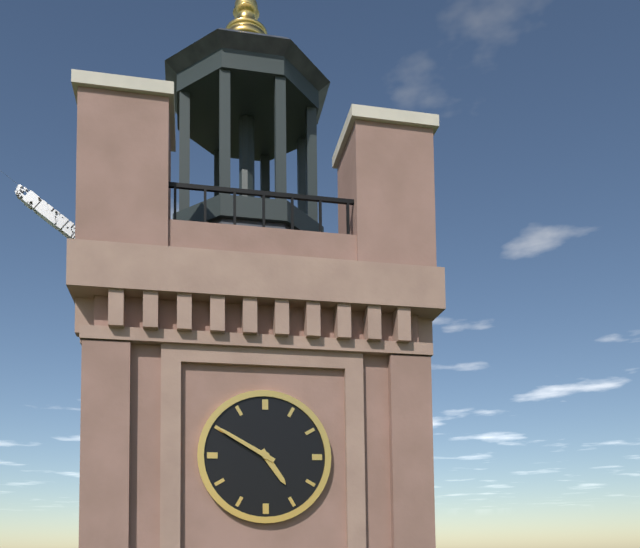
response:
h=4 m=50
